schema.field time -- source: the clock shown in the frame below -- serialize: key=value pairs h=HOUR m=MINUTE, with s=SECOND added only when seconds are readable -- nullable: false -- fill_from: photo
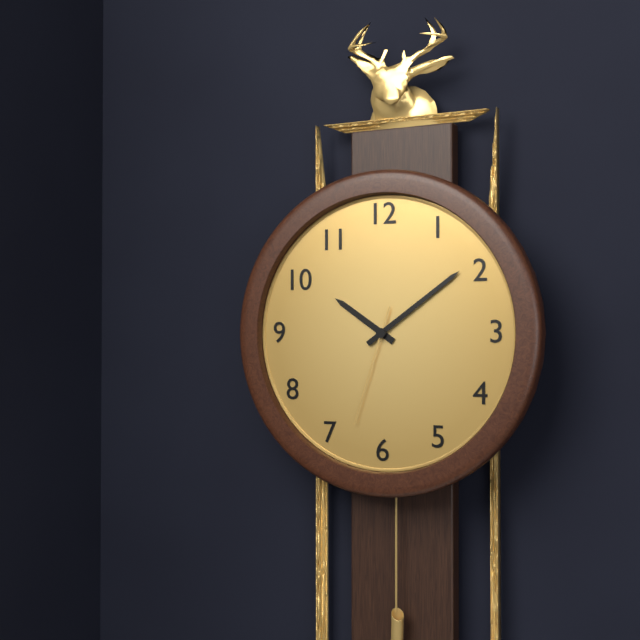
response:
h=10 m=9 s=33
